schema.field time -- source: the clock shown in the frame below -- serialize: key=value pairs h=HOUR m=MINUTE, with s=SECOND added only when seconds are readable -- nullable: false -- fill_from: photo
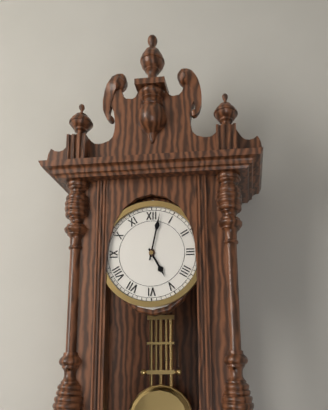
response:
h=5 m=2
